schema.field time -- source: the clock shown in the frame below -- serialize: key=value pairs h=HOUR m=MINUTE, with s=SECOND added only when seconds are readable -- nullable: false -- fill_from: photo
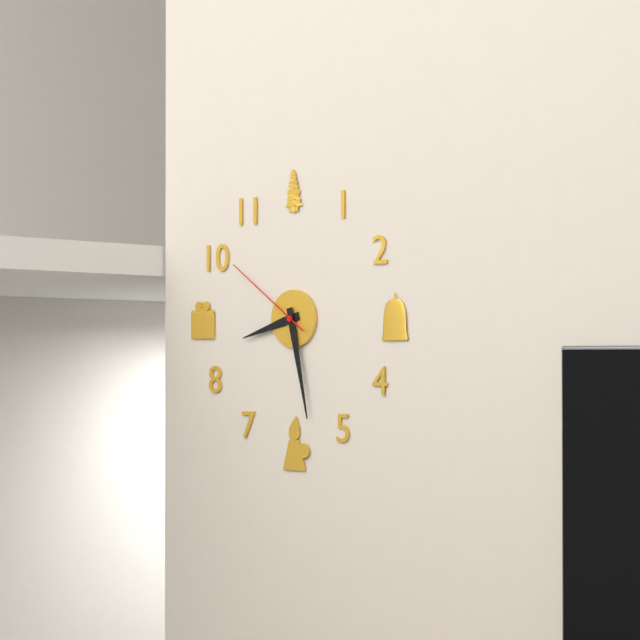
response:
h=8 m=28 s=51
